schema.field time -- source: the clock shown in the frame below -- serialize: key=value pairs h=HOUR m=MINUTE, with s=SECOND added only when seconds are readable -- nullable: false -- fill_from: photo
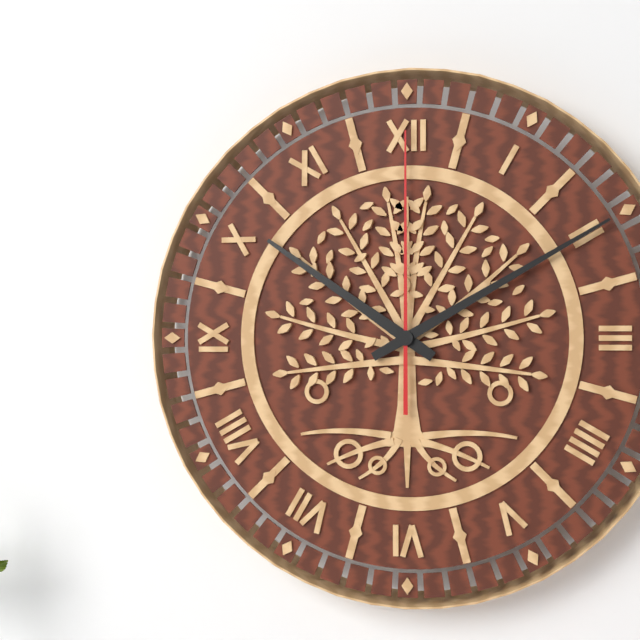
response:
h=10 m=10 s=0
